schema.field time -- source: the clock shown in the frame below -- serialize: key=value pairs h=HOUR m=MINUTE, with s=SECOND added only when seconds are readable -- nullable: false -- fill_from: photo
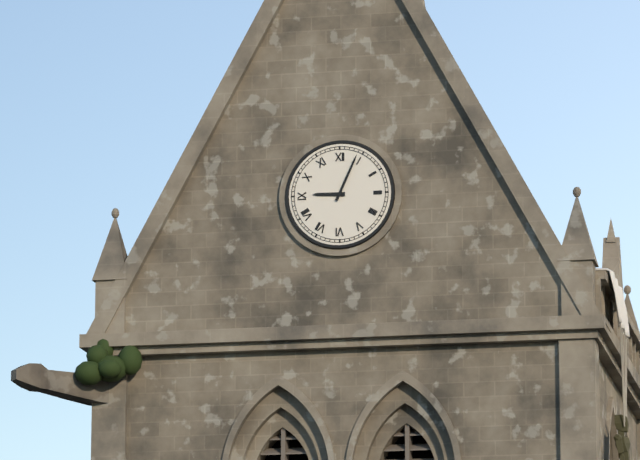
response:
h=9 m=4
